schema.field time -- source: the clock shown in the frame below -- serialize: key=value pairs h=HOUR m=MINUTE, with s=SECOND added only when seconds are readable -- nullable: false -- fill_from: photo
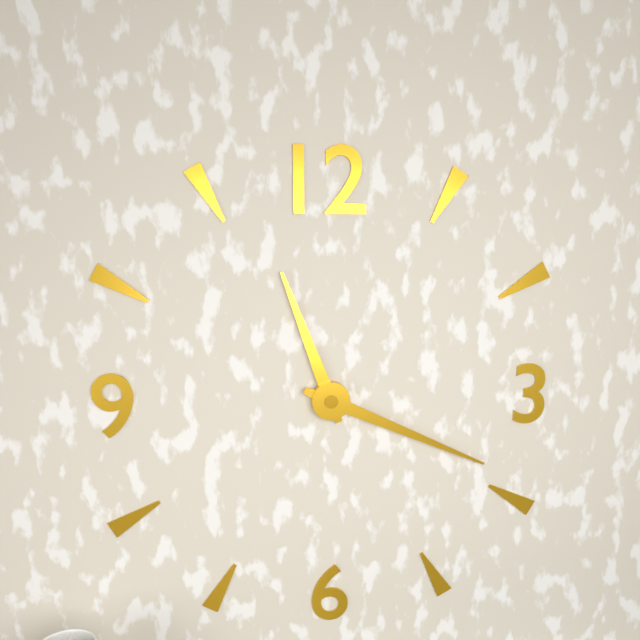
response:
h=11 m=19
